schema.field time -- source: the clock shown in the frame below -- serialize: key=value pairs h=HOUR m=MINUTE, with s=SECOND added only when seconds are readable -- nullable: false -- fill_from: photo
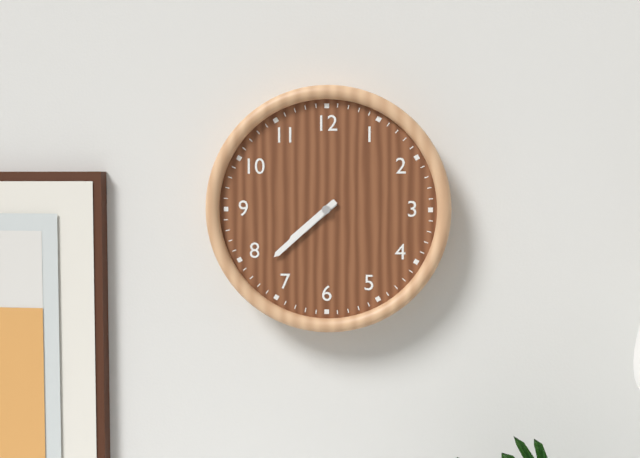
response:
h=7 m=38
